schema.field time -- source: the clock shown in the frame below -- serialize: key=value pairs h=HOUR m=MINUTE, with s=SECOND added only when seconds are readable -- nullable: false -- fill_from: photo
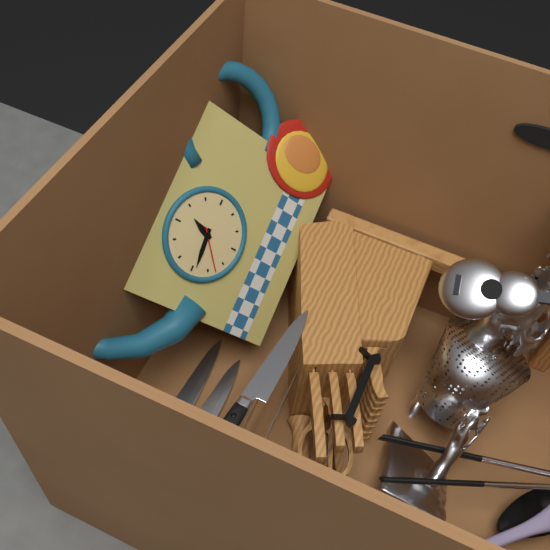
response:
h=12 m=44 s=38
